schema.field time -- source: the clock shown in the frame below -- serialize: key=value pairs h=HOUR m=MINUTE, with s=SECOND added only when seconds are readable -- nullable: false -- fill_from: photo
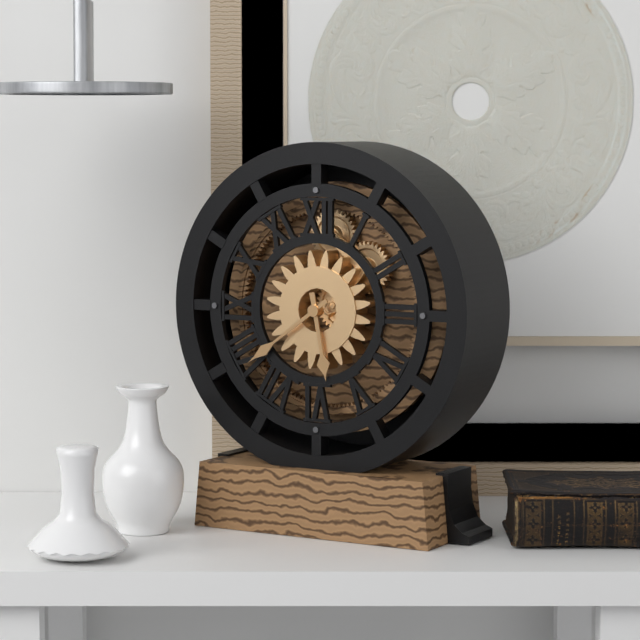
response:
h=5 m=39
